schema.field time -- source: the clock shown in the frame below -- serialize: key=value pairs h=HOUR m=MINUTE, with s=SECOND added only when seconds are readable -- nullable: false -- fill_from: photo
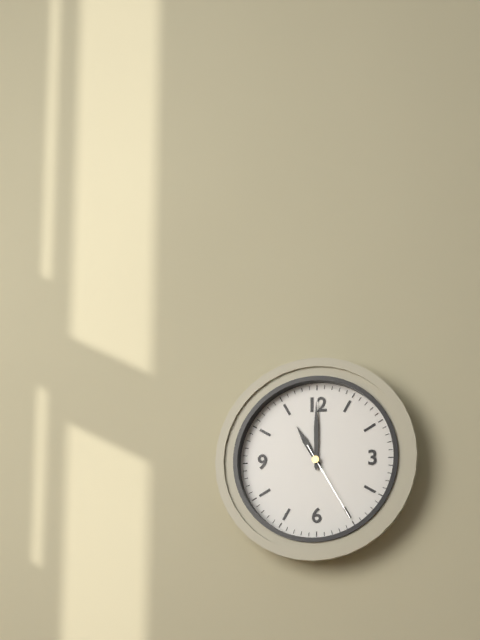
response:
h=11 m=0 s=25
